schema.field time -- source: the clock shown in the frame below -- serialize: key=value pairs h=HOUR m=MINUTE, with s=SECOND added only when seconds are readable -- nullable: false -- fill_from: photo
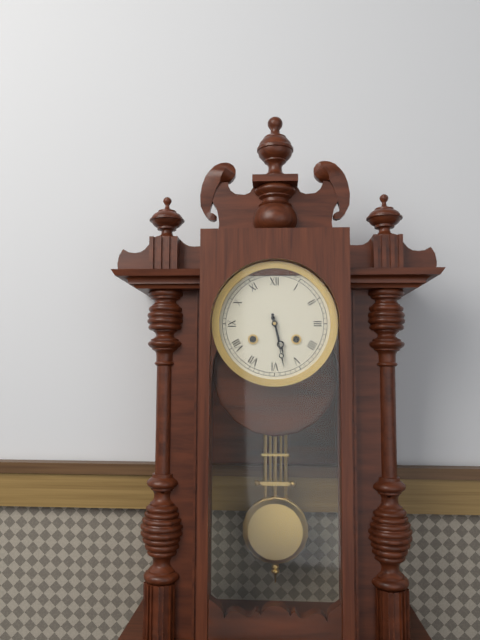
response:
h=5 m=28
